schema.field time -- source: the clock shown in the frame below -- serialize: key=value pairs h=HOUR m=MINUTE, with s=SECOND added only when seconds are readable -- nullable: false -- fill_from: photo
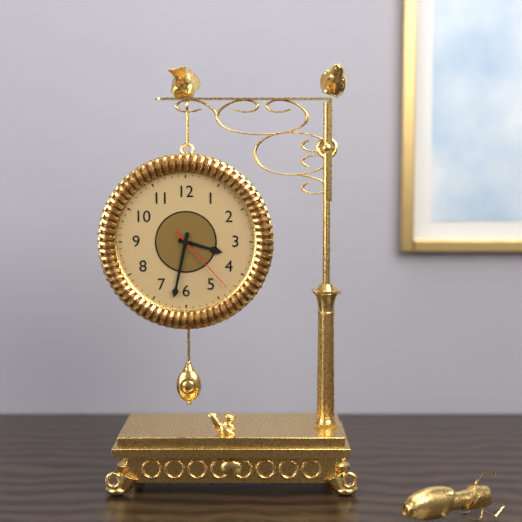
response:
h=3 m=32 s=23
